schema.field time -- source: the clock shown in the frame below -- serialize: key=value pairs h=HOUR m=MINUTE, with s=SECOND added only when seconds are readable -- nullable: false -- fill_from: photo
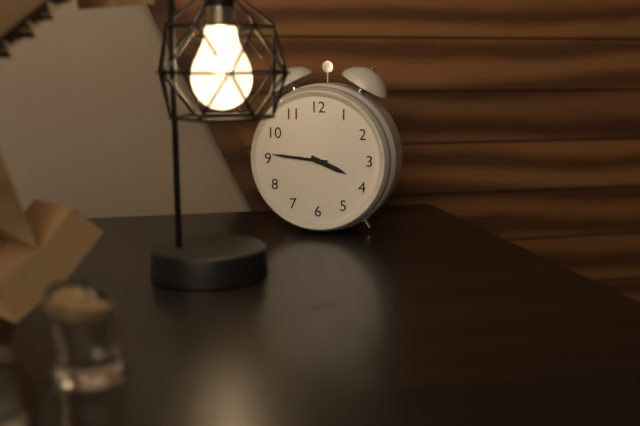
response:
h=3 m=46
